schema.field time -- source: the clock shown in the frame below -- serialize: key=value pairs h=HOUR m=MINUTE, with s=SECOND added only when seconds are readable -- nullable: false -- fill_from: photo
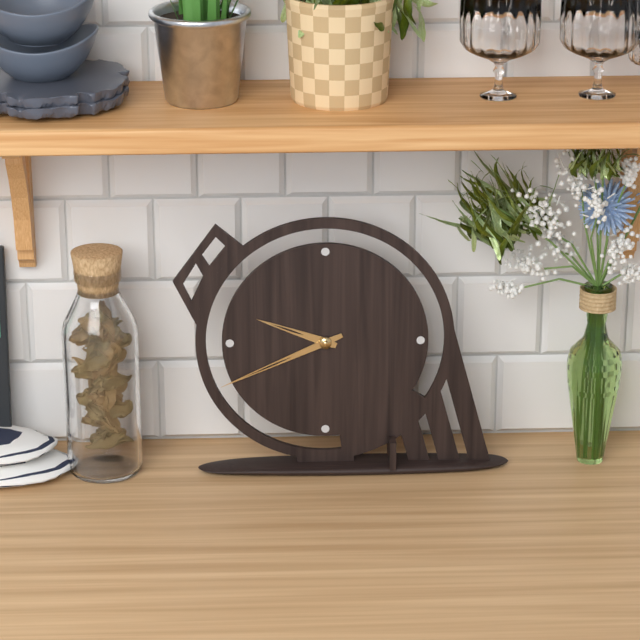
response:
h=9 m=41
